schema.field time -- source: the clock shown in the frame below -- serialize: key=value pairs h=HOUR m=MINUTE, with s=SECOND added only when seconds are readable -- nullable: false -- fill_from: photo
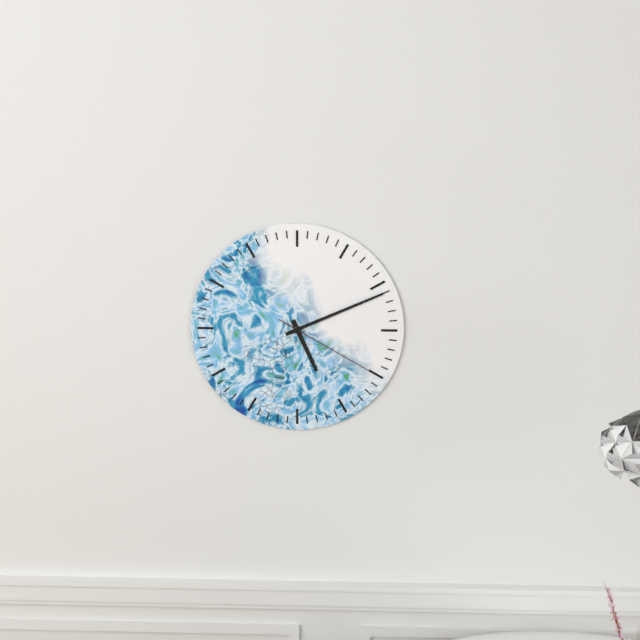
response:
h=5 m=11 s=20
